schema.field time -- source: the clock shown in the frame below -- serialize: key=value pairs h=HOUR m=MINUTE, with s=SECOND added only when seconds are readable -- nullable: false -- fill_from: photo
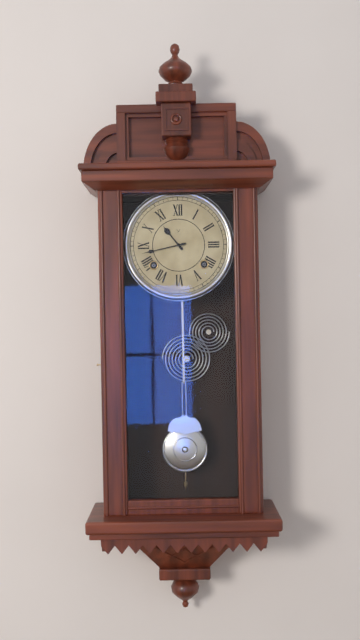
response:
h=10 m=43
